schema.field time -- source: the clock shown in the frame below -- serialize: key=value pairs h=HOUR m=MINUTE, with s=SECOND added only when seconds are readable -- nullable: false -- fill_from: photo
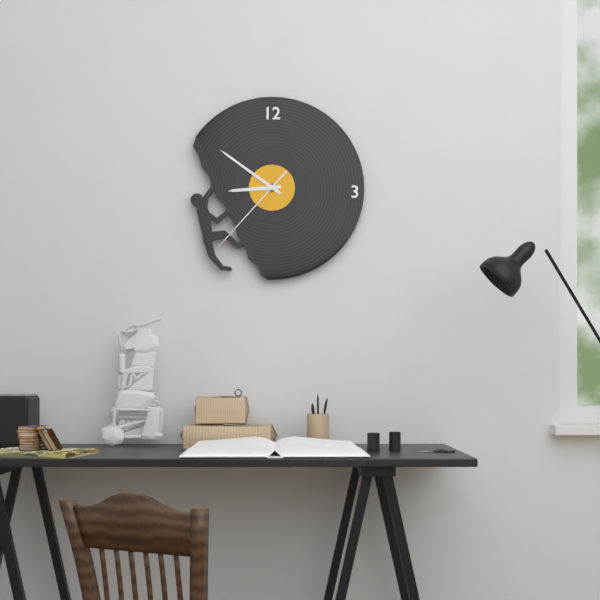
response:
h=8 m=51 s=37
